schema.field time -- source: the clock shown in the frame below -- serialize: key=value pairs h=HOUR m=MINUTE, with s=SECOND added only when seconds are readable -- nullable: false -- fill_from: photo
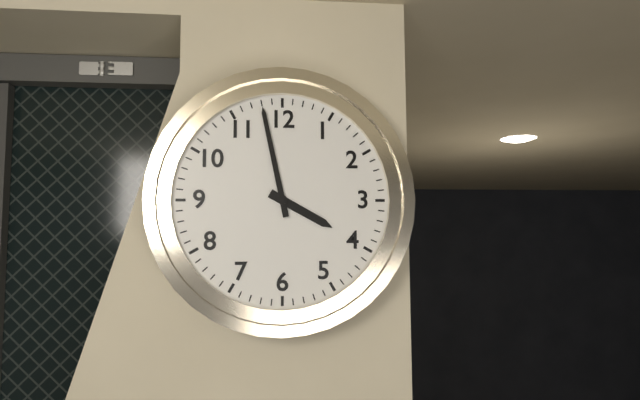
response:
h=3 m=58
